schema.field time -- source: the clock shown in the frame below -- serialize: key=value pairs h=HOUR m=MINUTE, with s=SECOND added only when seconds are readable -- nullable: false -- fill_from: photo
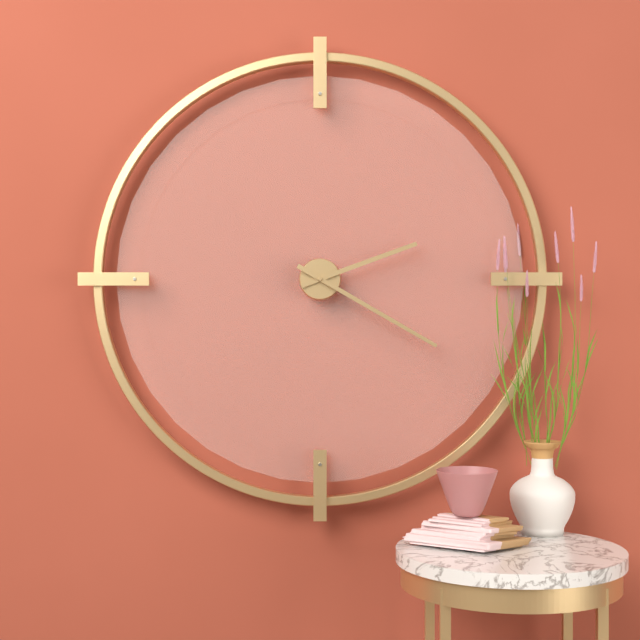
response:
h=2 m=20
